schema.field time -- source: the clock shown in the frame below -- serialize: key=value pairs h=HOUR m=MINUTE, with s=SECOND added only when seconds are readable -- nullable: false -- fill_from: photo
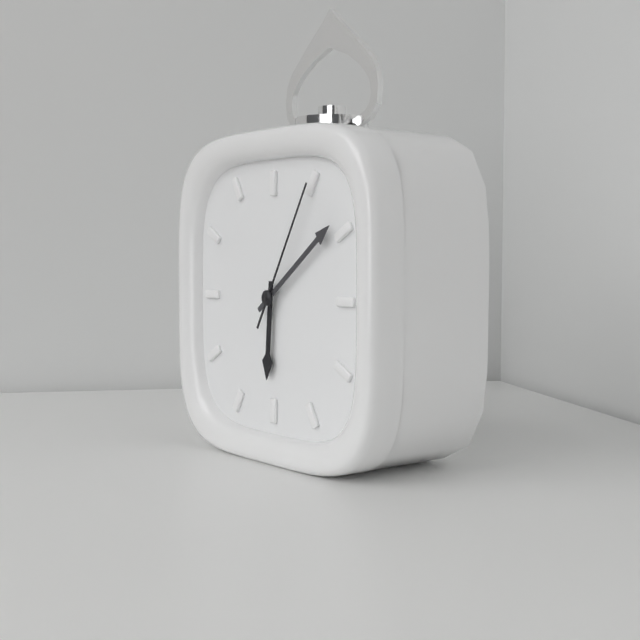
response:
h=6 m=9 s=5
